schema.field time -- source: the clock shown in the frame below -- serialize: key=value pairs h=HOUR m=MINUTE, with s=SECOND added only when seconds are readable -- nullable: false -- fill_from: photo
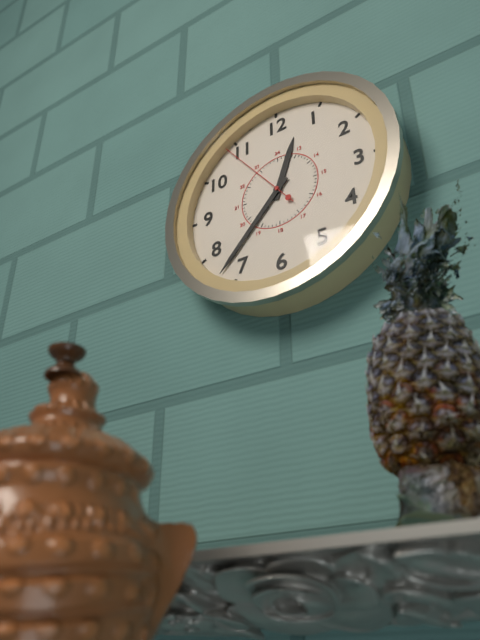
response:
h=12 m=37 s=54
